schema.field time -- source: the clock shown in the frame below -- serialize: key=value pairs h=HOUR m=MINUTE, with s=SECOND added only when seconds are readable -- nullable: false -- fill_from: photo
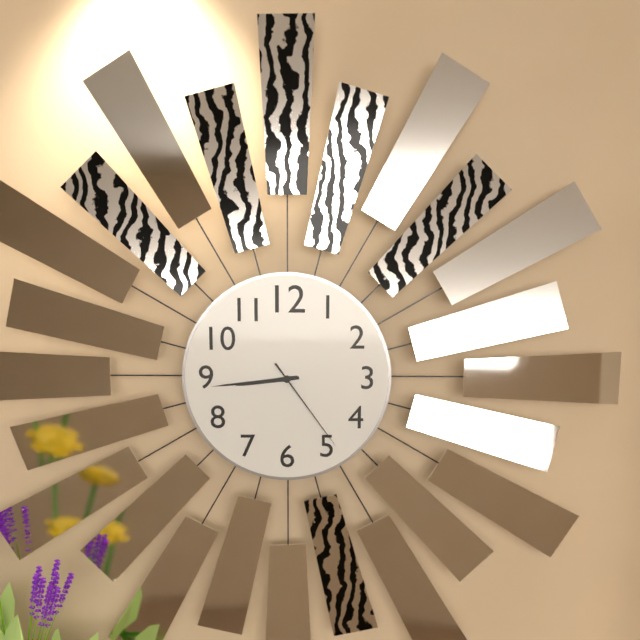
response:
h=8 m=44 s=24
